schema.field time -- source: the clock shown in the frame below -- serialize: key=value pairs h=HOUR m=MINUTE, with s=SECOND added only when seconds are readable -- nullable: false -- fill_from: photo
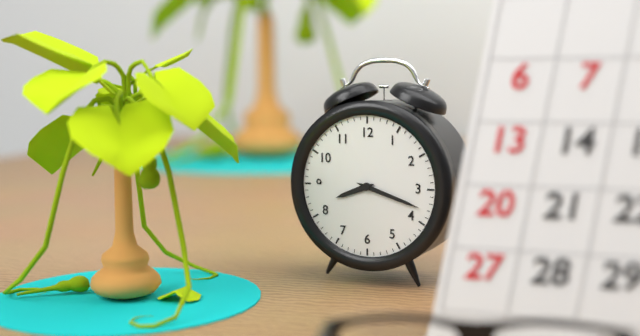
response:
h=8 m=18
